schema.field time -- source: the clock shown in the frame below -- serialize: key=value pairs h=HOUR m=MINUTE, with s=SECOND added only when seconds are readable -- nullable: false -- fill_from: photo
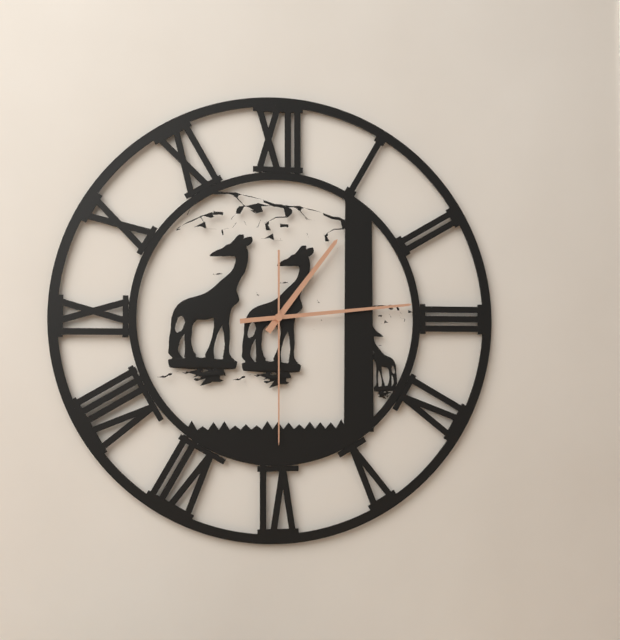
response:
h=1 m=14 s=30
